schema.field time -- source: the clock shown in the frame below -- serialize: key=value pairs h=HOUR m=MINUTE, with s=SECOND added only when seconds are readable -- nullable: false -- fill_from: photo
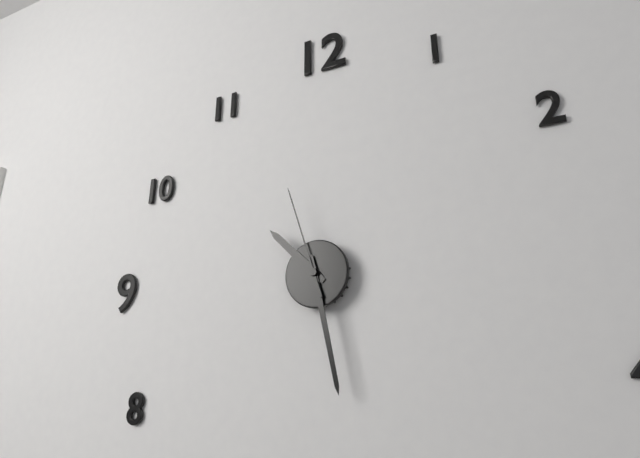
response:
h=10 m=28 s=57
